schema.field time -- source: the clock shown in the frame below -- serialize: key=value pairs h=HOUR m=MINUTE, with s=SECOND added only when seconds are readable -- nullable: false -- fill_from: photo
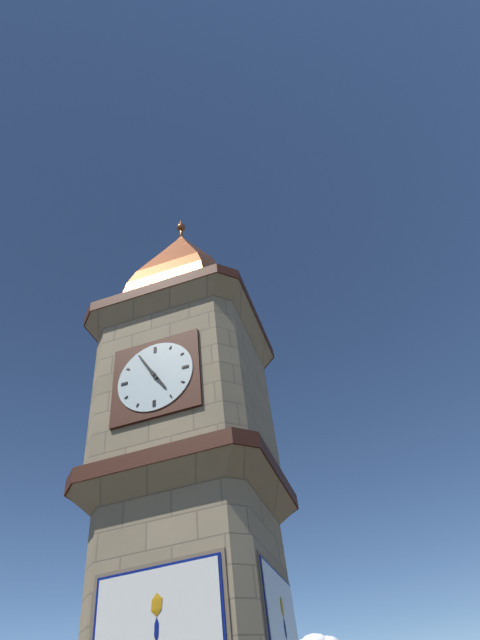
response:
h=4 m=55
